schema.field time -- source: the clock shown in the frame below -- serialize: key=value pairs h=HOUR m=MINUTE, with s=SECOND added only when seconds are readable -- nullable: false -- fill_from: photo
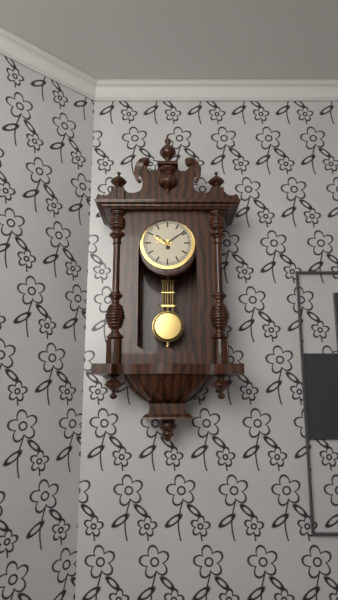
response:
h=10 m=9
